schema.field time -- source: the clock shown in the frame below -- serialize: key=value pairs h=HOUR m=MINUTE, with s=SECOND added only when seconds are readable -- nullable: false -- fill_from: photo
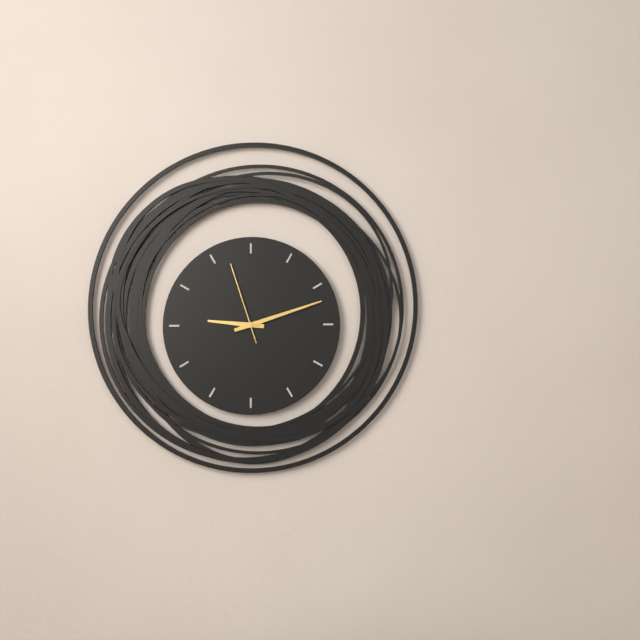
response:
h=9 m=12 s=57
